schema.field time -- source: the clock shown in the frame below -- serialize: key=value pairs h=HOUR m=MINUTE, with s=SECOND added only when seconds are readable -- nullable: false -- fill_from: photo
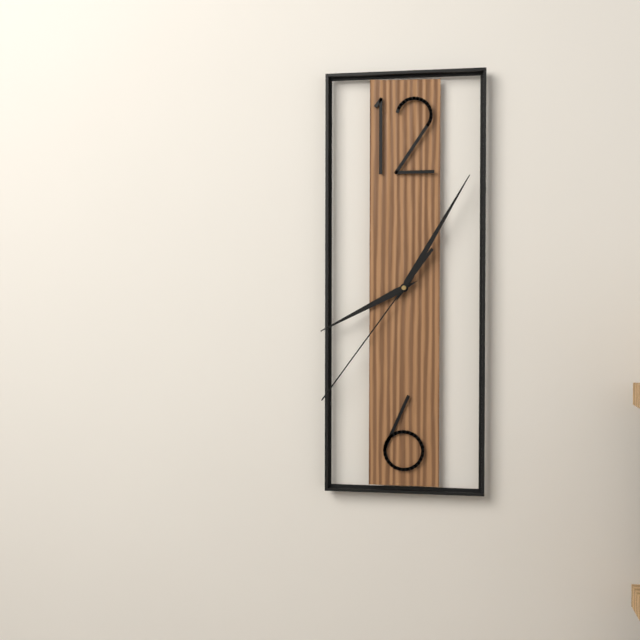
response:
h=8 m=5 s=36
